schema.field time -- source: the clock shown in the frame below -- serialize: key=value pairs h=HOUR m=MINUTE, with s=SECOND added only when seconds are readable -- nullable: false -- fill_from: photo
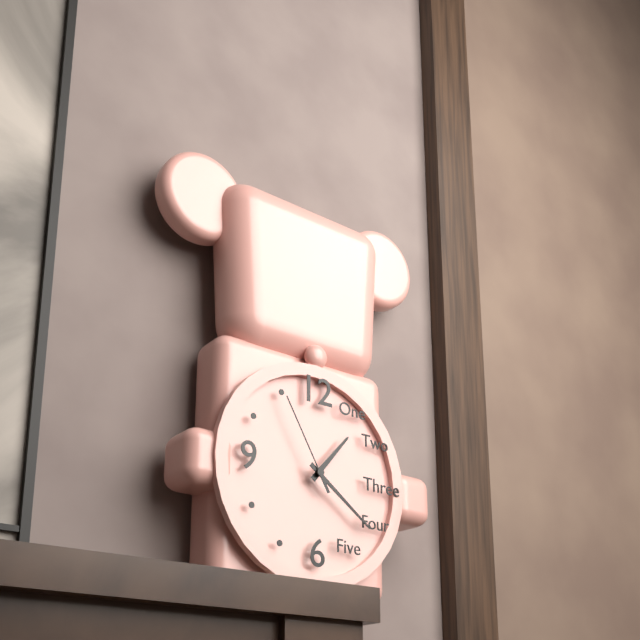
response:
h=1 m=21 s=55
